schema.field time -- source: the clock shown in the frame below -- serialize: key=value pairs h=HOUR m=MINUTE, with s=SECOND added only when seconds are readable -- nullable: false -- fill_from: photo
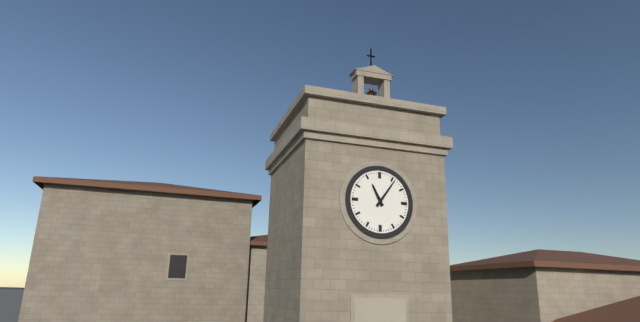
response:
h=11 m=6
